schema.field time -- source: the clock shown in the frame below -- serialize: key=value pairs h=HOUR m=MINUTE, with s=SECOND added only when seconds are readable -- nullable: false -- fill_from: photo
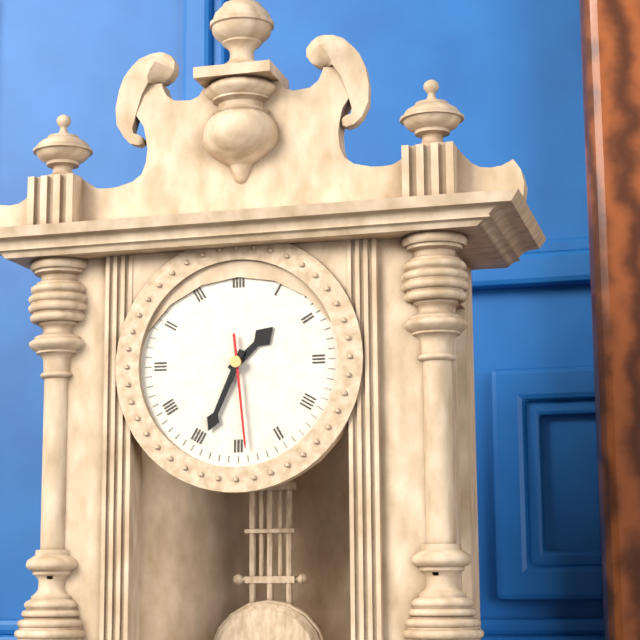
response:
h=1 m=34 s=29
